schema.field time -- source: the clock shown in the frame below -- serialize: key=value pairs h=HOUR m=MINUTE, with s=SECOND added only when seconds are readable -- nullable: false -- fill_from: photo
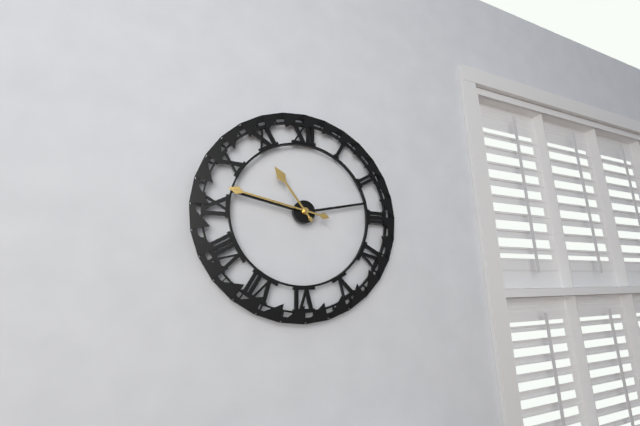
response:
h=10 m=47
